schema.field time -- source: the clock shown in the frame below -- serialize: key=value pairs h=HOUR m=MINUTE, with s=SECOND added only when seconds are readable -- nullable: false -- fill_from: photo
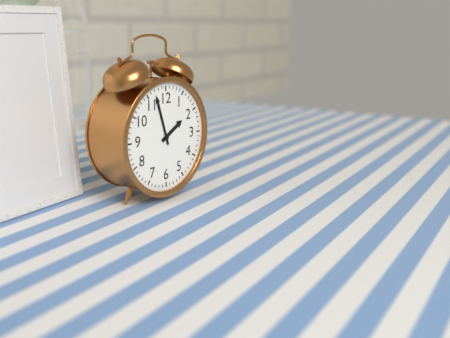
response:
h=1 m=57
